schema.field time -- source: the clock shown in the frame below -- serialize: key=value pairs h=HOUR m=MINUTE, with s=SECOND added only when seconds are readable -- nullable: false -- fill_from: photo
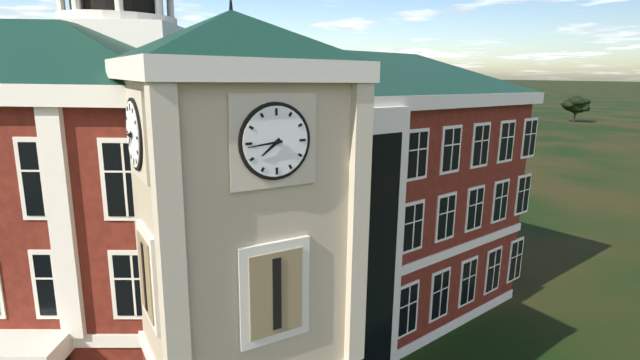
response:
h=7 m=44
